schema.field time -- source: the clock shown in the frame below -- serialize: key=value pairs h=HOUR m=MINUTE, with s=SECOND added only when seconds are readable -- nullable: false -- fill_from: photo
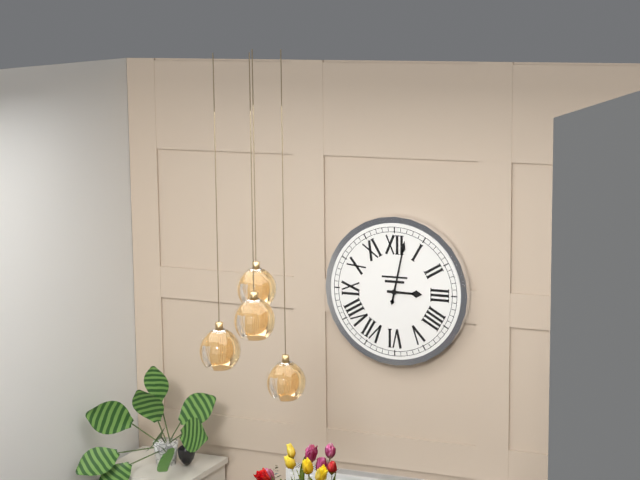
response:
h=3 m=2
